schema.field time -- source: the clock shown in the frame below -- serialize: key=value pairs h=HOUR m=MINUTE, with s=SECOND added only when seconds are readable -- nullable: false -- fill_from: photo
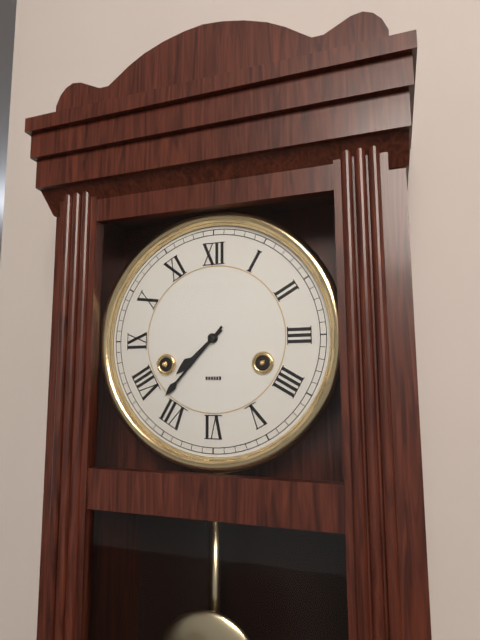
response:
h=7 m=37
